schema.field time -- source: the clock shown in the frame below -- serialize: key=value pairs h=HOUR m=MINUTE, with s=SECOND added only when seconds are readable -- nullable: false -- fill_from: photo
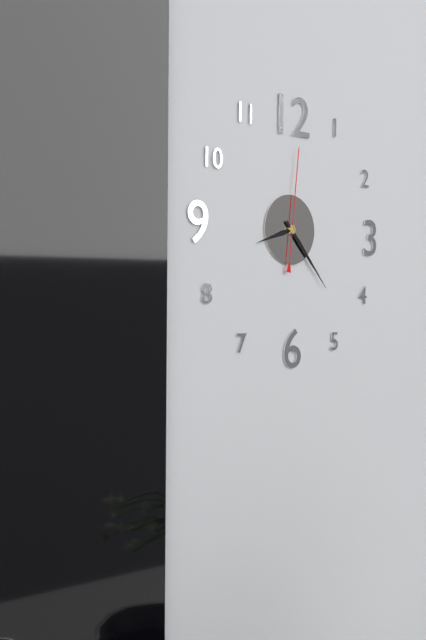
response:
h=8 m=23 s=1
